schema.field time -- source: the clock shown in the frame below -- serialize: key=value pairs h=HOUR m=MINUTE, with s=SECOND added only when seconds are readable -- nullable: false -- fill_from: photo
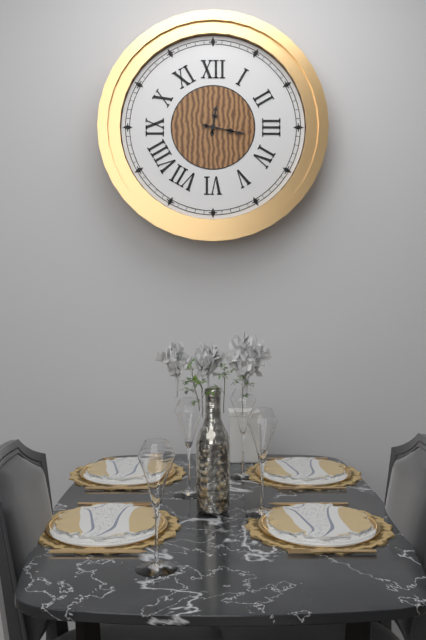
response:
h=12 m=17
